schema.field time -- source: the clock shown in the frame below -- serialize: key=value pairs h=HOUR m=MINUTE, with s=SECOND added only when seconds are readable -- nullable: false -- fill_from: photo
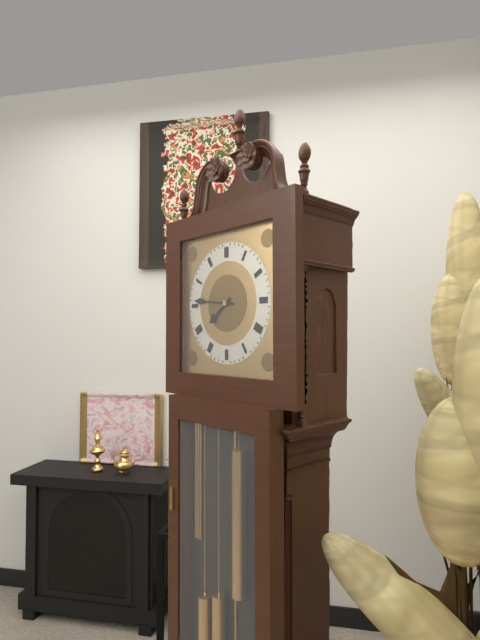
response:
h=7 m=46
